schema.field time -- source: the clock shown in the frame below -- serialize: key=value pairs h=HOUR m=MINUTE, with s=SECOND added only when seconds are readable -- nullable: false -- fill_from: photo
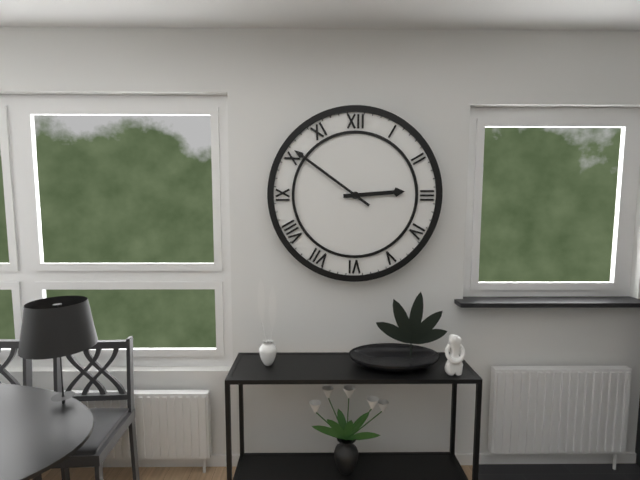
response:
h=2 m=51
